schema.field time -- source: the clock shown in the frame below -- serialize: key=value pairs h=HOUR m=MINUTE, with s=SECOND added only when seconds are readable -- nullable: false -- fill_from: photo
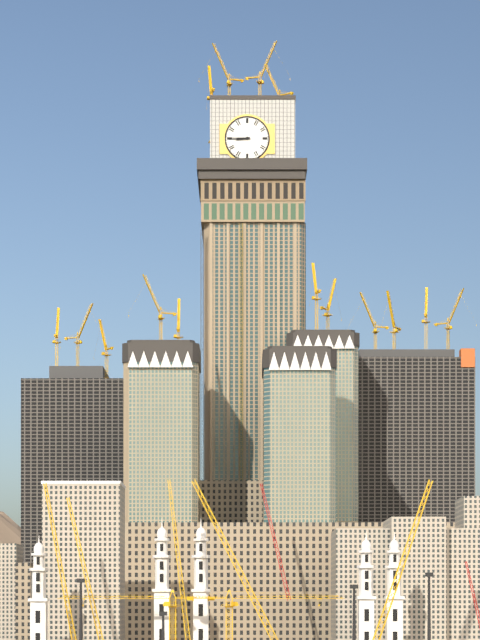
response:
h=8 m=45
